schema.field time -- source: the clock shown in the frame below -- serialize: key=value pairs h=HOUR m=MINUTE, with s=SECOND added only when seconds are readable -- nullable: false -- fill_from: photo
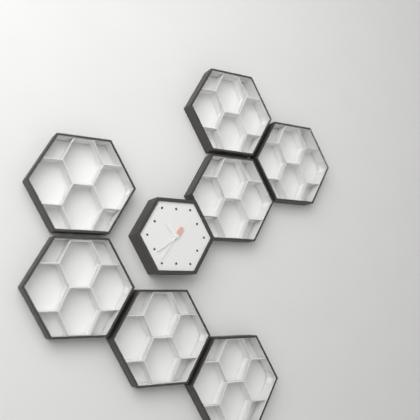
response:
h=10 m=39
